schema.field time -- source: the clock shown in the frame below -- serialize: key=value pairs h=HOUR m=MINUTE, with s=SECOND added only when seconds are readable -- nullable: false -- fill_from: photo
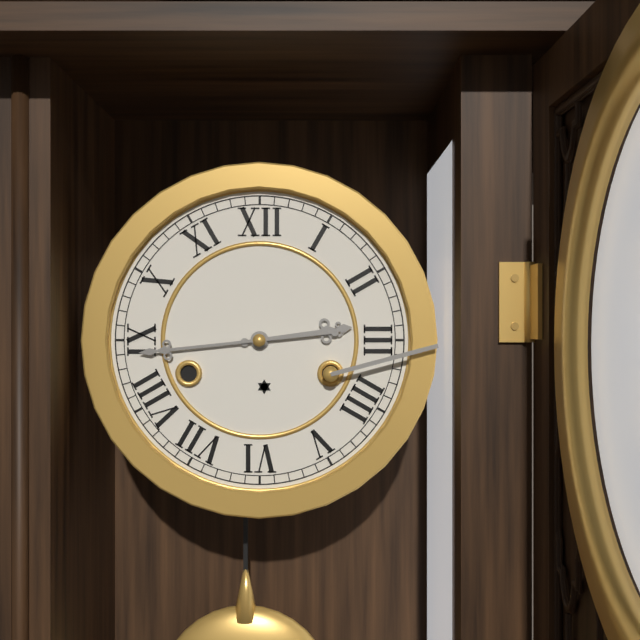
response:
h=2 m=44
